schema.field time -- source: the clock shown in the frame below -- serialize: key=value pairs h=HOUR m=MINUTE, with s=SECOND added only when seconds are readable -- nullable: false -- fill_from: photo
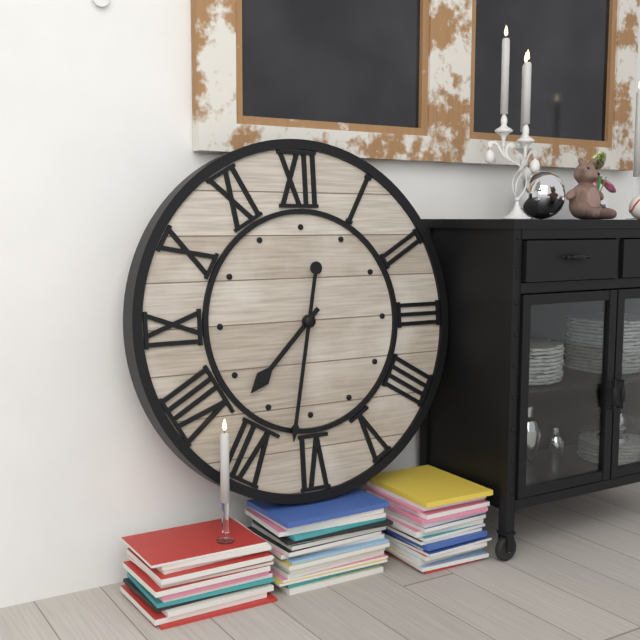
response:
h=7 m=32
